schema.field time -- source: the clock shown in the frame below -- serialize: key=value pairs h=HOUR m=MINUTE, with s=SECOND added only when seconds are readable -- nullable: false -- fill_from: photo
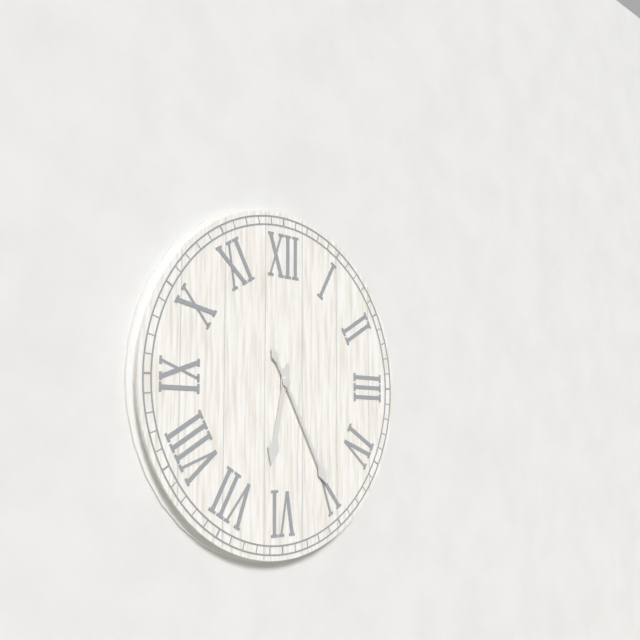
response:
h=6 m=25
